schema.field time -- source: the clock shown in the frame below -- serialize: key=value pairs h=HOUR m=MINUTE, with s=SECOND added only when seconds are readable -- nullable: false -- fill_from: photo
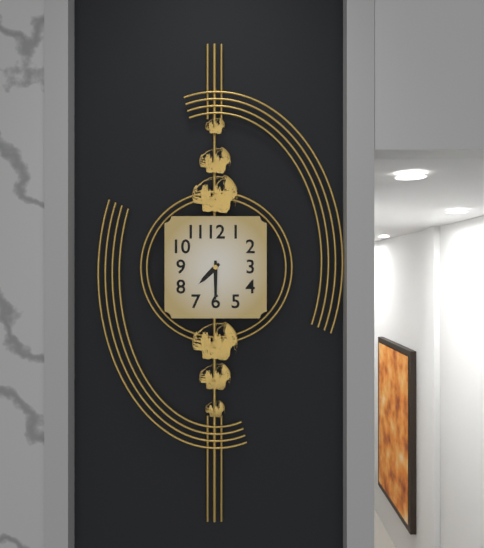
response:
h=7 m=30
